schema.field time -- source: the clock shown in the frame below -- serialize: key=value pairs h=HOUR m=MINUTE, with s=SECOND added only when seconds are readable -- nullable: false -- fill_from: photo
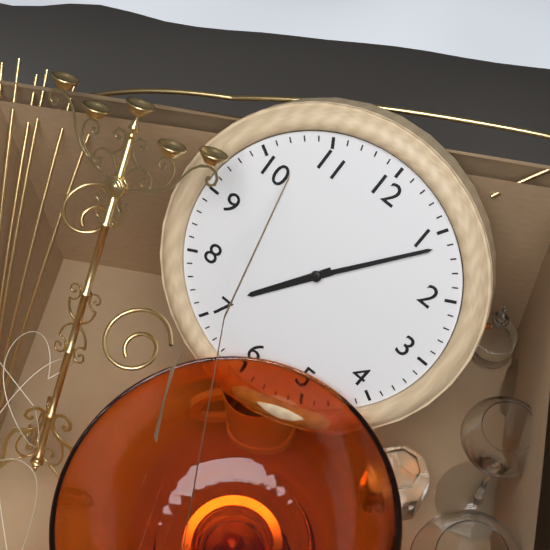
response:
h=7 m=6
